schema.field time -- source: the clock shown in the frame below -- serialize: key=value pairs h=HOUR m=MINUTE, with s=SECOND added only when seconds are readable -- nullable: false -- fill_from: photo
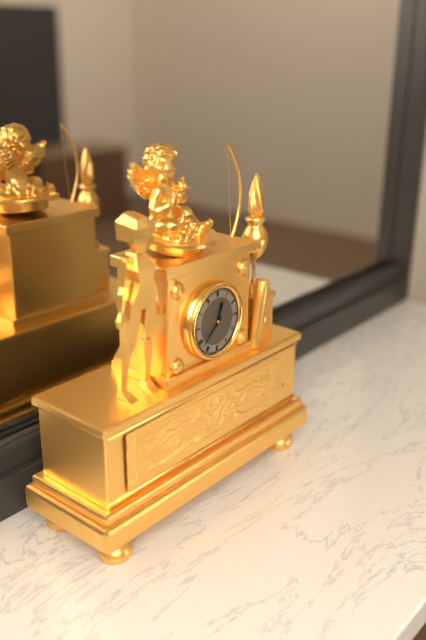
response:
h=12 m=38
